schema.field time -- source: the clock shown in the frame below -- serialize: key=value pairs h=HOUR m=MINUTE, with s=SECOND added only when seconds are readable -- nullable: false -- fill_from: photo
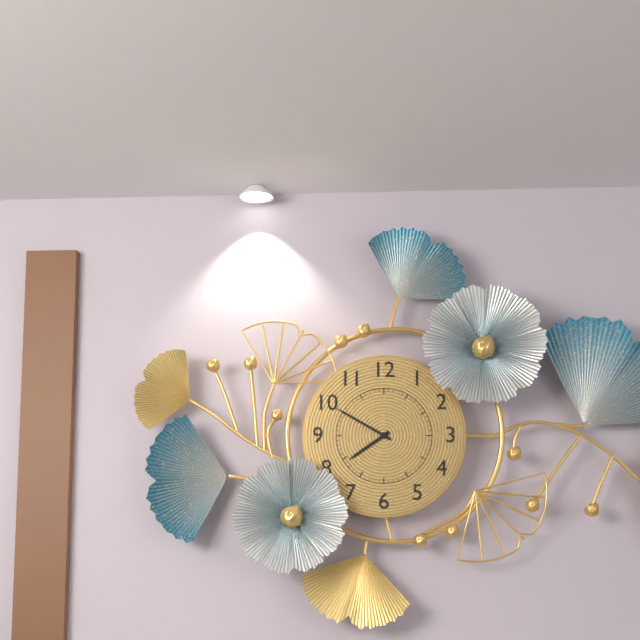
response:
h=7 m=50
